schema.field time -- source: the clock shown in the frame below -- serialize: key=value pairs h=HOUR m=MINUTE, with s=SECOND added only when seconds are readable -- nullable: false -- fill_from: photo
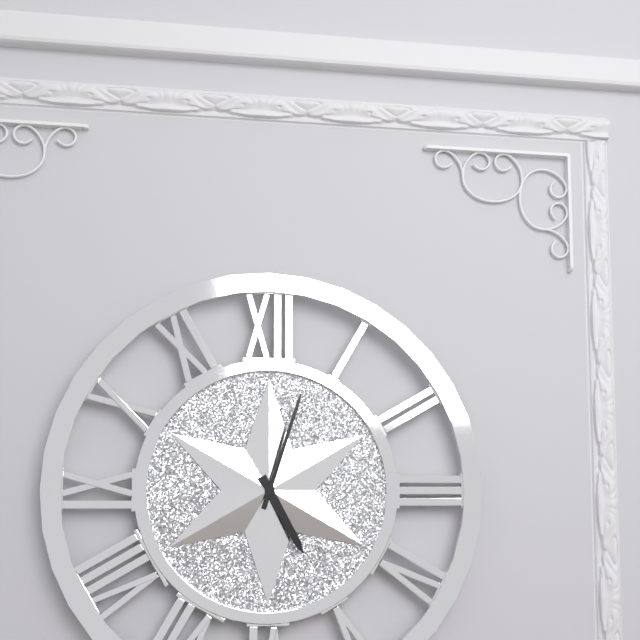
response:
h=5 m=3
